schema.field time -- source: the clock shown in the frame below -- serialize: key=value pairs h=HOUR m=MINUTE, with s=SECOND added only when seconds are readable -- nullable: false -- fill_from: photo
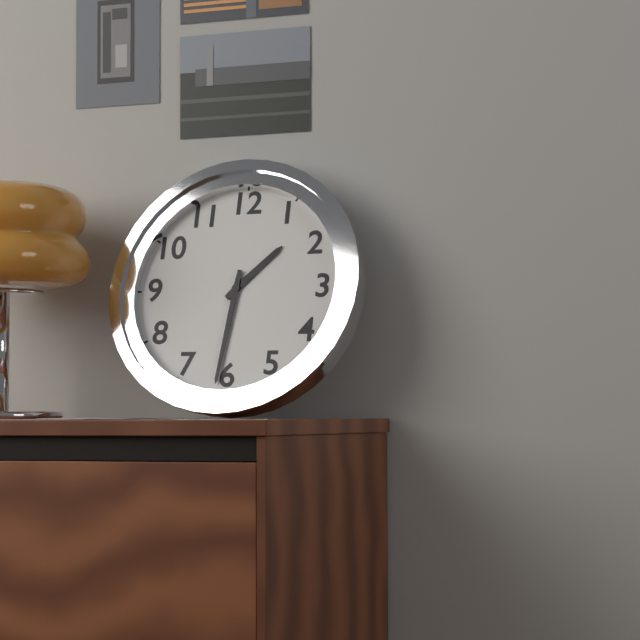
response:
h=1 m=31
